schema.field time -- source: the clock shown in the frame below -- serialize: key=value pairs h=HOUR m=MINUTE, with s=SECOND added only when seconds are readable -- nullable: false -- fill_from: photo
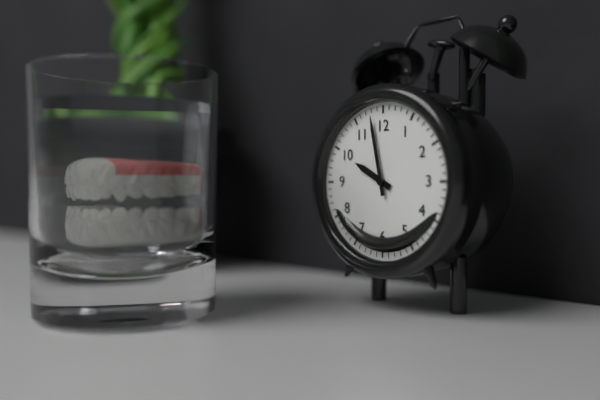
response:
h=9 m=58
